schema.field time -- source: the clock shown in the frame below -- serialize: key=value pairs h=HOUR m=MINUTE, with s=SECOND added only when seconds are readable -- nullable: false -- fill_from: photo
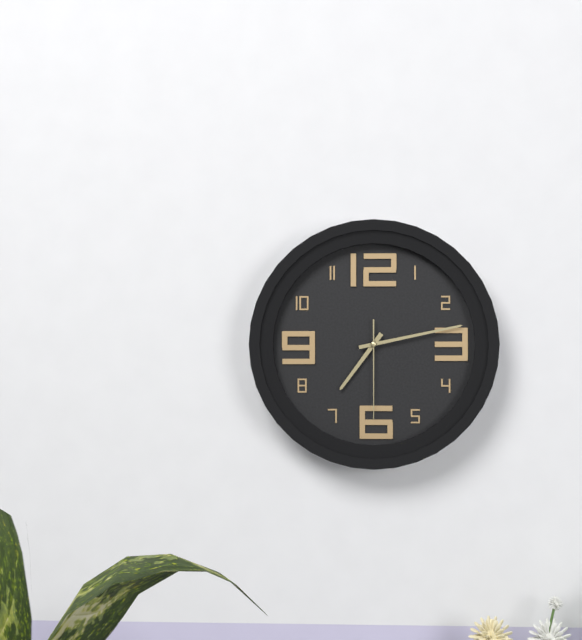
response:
h=7 m=13 s=30
